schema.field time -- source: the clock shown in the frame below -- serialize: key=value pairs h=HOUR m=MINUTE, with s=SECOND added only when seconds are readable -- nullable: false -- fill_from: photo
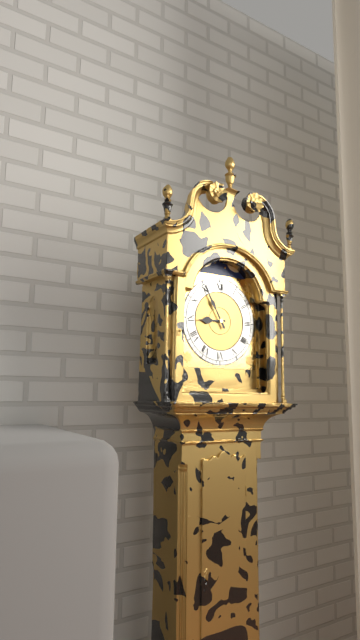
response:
h=8 m=55
